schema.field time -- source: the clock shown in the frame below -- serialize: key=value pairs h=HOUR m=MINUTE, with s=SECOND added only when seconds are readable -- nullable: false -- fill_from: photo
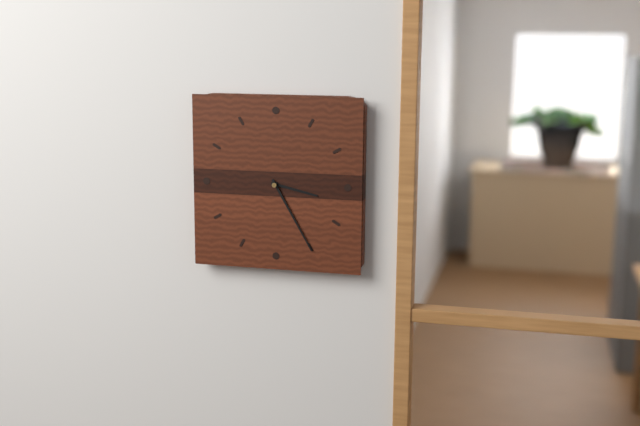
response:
h=3 m=25
